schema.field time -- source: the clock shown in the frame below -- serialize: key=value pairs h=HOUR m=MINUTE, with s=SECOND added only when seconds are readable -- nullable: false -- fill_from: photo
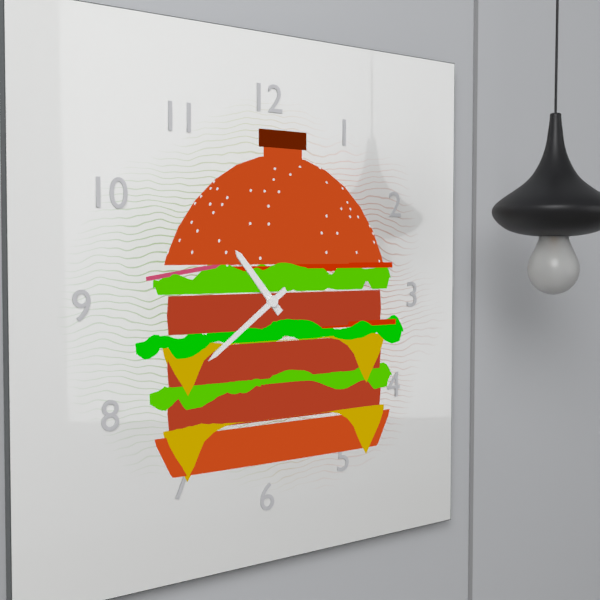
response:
h=10 m=39
